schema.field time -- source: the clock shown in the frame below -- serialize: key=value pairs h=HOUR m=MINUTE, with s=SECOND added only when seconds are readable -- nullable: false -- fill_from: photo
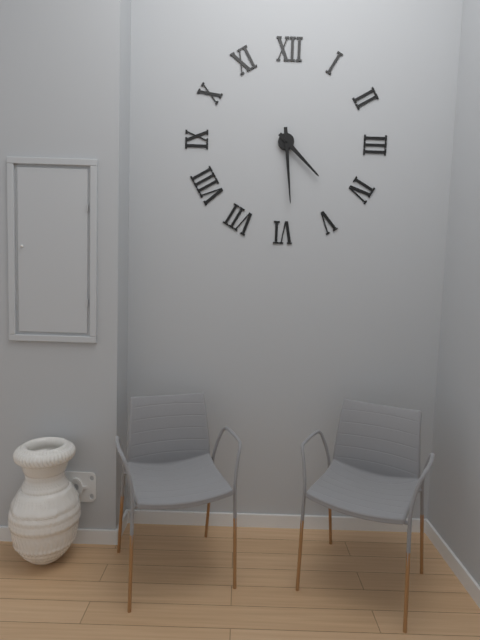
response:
h=4 m=29
